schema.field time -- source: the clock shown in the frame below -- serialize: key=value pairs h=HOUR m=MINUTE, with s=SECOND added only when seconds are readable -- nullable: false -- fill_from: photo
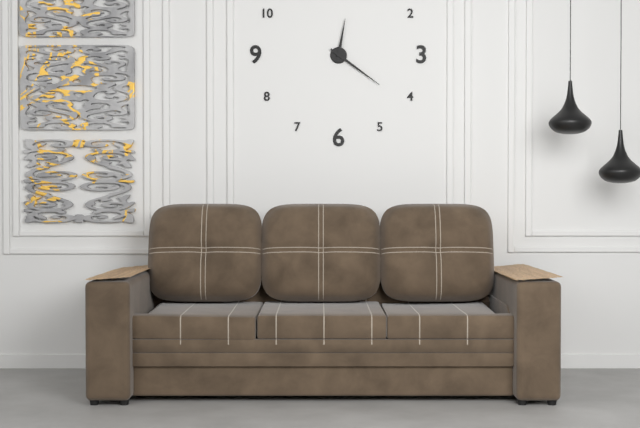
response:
h=12 m=21
